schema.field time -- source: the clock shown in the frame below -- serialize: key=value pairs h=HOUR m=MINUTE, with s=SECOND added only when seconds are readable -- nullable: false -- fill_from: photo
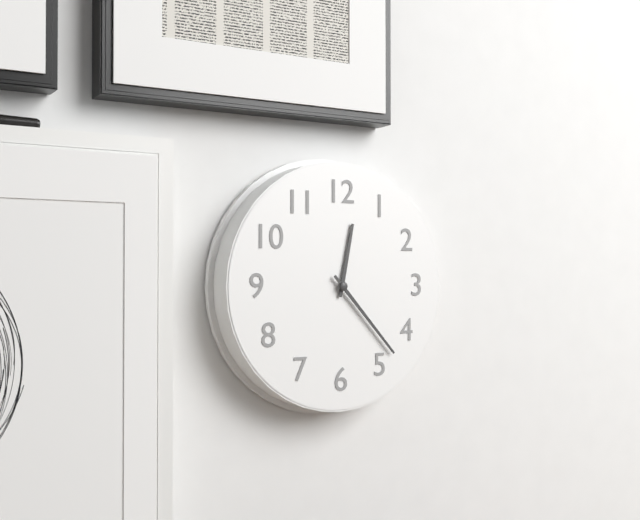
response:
h=12 m=23
